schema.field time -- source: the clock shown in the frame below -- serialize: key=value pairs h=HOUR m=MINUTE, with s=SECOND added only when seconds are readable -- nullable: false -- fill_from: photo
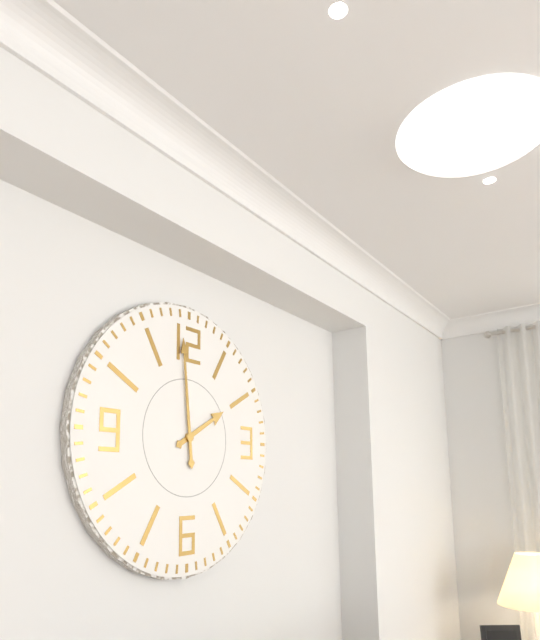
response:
h=1 m=59
